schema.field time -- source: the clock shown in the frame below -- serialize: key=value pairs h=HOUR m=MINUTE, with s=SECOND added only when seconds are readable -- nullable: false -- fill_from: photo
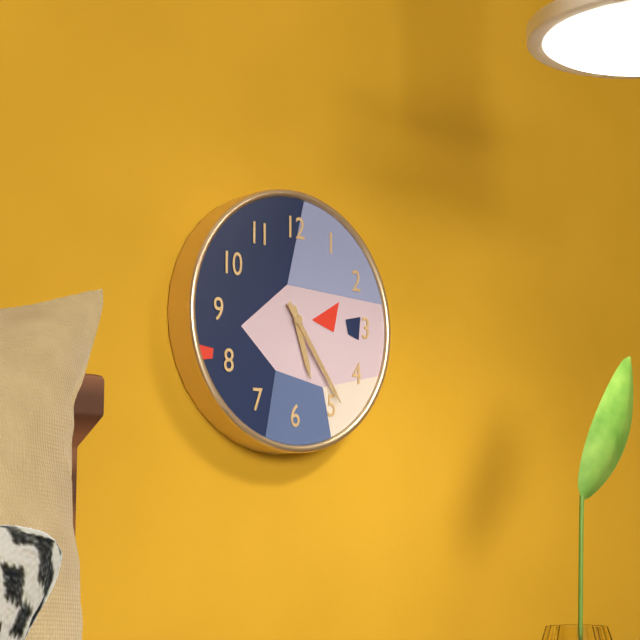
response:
h=5 m=24
